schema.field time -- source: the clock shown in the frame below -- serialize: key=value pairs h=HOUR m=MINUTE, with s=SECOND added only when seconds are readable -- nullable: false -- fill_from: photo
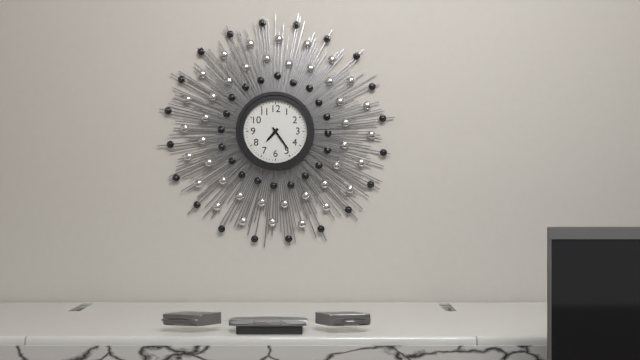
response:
h=7 m=24
